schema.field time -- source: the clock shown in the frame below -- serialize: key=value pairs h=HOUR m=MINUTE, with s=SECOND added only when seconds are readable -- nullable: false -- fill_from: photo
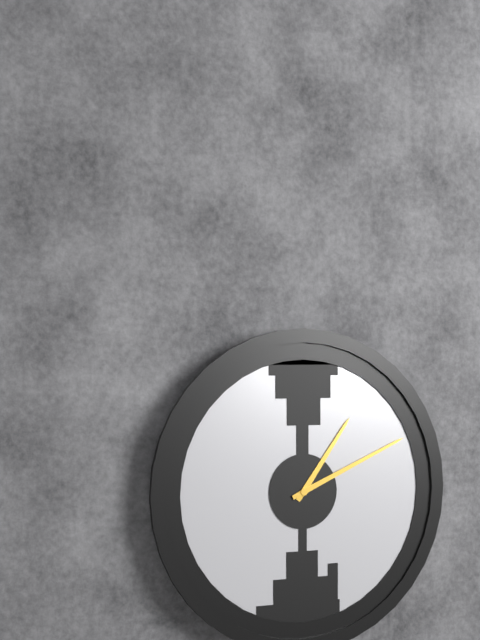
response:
h=1 m=11
